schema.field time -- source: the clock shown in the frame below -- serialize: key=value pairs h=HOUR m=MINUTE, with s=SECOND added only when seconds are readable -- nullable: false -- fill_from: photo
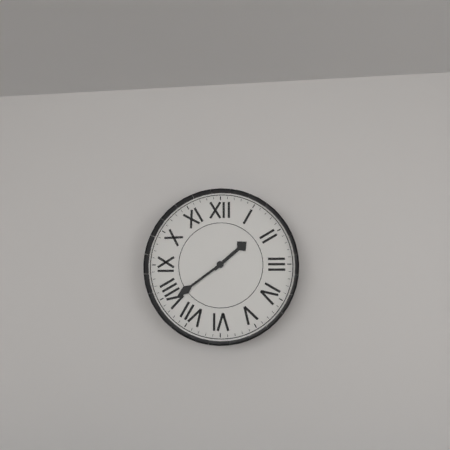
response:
h=1 m=39
